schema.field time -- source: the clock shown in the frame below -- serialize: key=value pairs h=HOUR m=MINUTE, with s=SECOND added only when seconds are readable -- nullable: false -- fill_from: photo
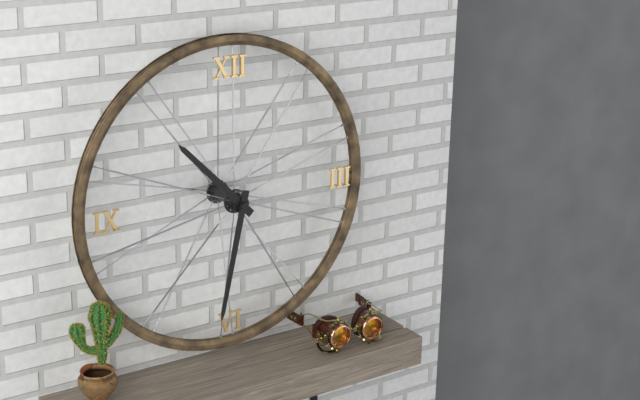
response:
h=10 m=32
